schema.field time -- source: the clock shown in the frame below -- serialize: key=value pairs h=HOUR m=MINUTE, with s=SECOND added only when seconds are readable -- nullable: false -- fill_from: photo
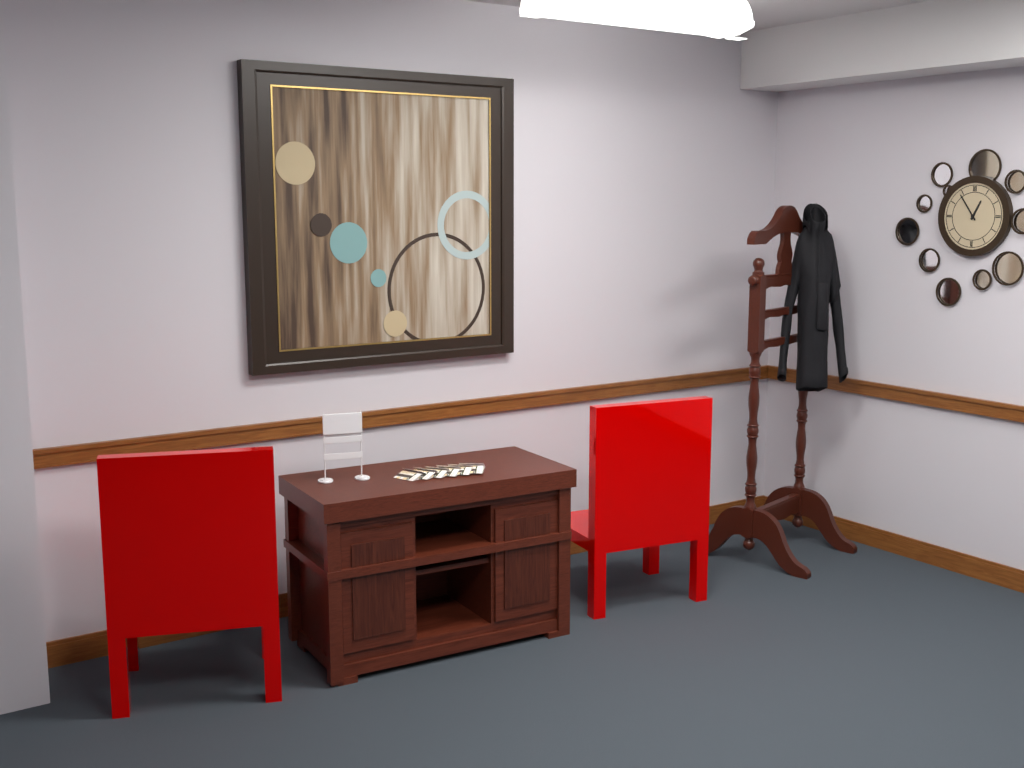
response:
h=12 m=54
